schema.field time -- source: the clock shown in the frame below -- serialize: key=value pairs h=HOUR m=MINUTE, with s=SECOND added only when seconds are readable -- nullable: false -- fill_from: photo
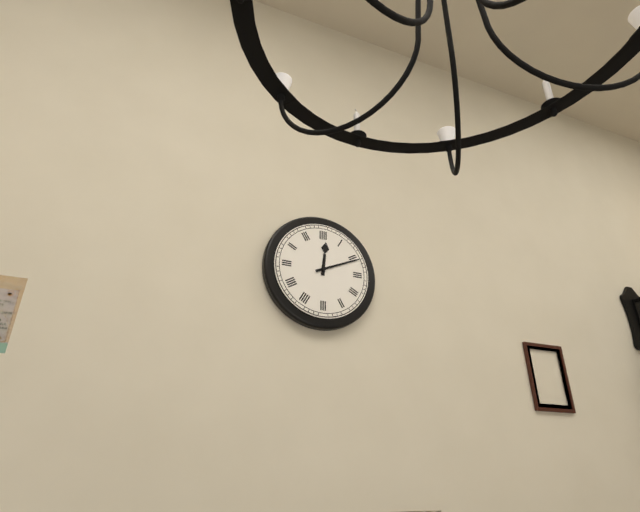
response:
h=12 m=11
